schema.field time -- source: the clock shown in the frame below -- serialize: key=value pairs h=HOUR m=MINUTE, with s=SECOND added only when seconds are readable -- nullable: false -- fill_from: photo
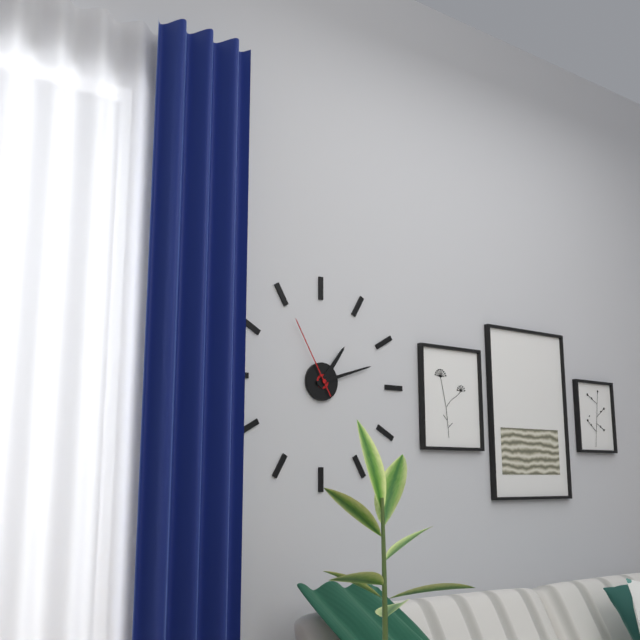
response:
h=1 m=12 s=55
